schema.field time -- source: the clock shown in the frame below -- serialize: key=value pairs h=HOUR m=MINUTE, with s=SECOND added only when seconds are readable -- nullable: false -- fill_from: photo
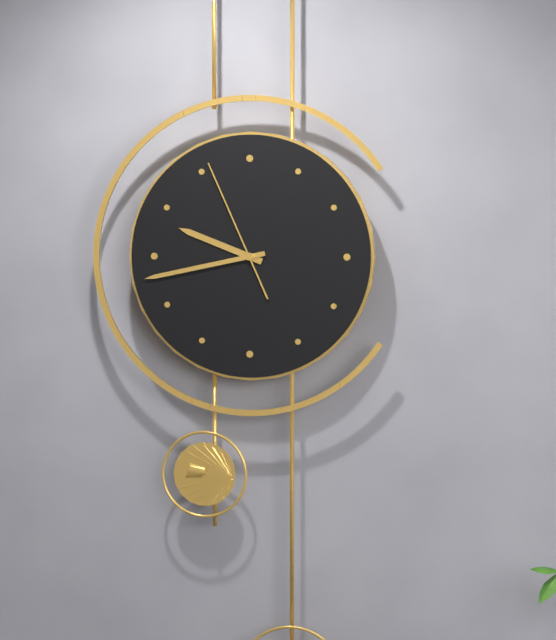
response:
h=9 m=43 s=56
